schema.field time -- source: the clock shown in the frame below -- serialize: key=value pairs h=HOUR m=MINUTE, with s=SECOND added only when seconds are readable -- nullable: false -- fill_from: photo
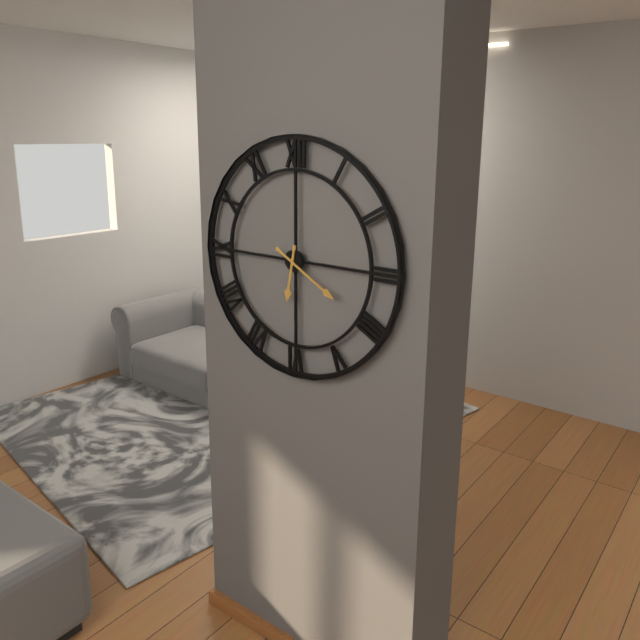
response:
h=6 m=20
